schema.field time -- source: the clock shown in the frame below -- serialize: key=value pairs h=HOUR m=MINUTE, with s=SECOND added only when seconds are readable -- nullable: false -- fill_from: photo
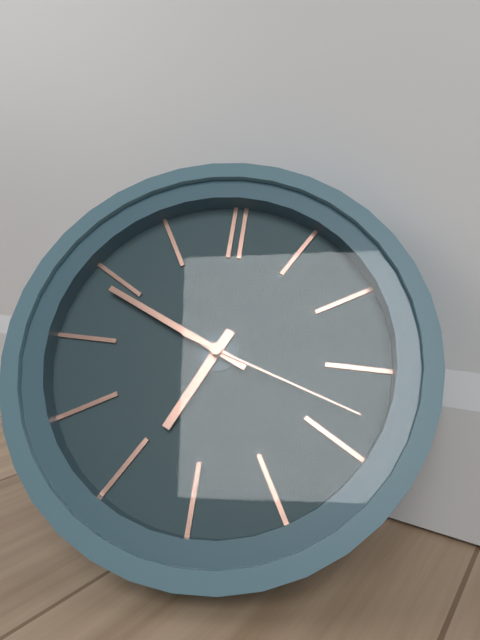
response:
h=6 m=49 s=18
